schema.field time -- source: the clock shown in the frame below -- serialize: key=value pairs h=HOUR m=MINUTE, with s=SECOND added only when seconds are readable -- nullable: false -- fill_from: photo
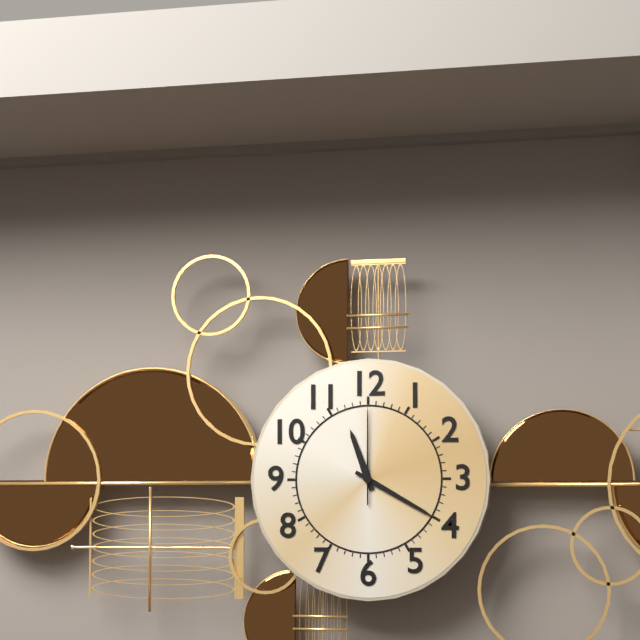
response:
h=11 m=20 s=0
